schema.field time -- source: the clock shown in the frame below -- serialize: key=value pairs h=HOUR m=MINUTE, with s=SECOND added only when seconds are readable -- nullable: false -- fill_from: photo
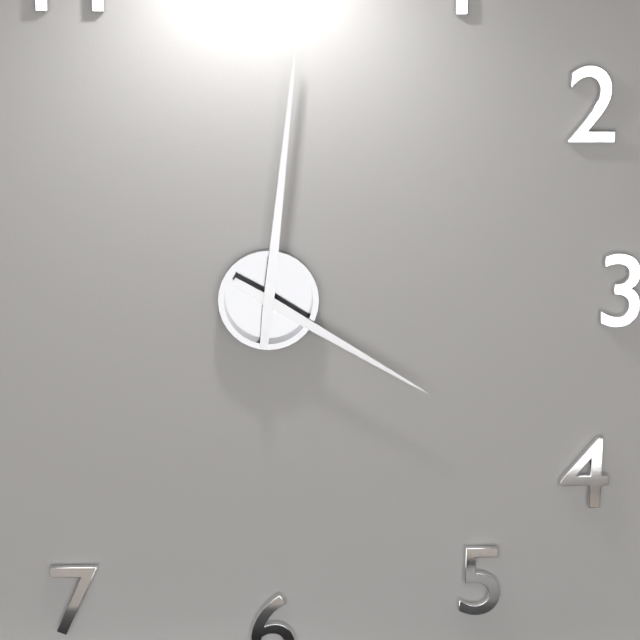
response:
h=4 m=1
